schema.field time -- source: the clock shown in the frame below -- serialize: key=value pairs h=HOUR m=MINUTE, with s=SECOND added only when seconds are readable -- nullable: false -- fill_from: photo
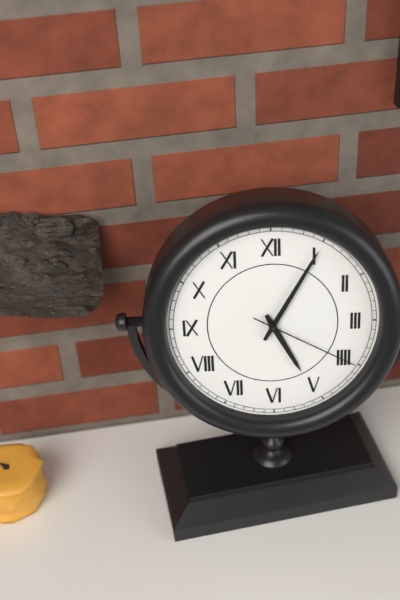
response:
h=5 m=5 s=20
